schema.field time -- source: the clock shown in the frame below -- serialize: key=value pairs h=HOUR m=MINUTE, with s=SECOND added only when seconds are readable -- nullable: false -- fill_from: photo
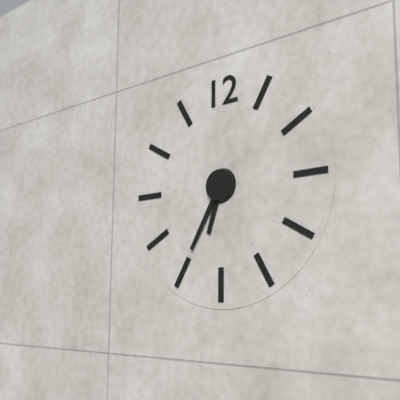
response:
h=6 m=35
